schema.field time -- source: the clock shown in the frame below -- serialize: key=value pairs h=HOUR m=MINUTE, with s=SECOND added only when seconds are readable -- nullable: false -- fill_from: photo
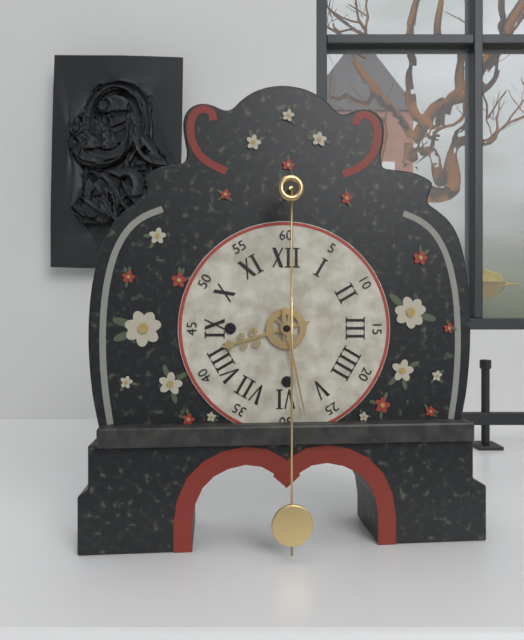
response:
h=8 m=28
